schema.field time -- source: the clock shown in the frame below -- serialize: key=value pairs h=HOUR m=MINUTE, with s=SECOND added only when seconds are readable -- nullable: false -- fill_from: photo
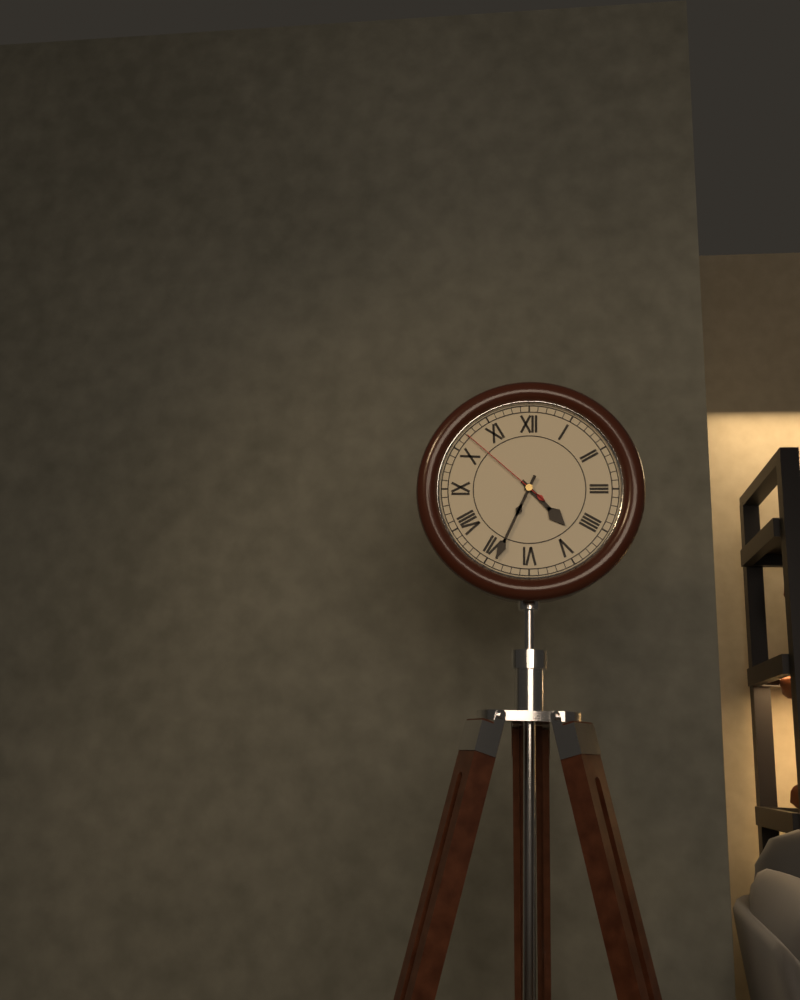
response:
h=4 m=34 s=52
